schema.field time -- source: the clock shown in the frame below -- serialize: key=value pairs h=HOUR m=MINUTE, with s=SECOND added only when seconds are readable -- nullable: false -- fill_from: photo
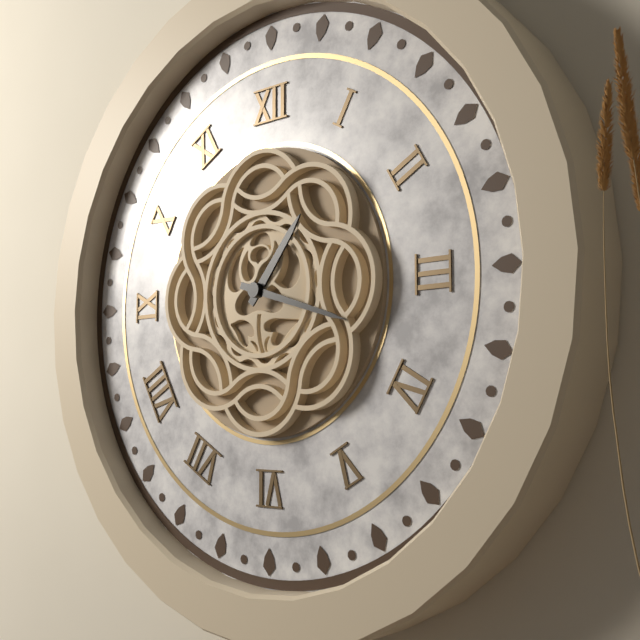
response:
h=1 m=18
